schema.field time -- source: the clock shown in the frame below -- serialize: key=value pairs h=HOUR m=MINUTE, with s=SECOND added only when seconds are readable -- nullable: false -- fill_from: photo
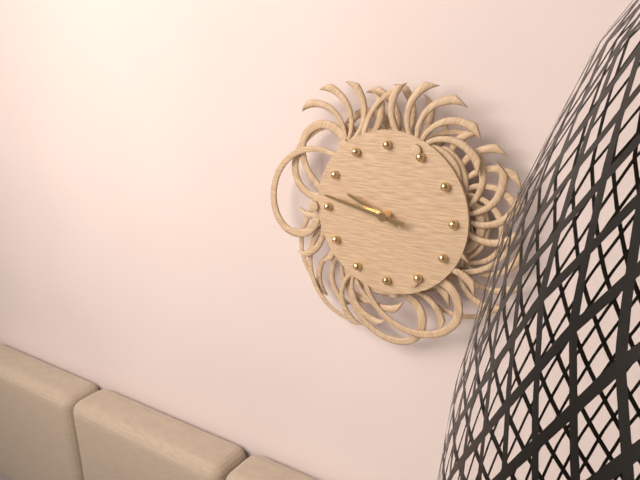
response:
h=9 m=47
